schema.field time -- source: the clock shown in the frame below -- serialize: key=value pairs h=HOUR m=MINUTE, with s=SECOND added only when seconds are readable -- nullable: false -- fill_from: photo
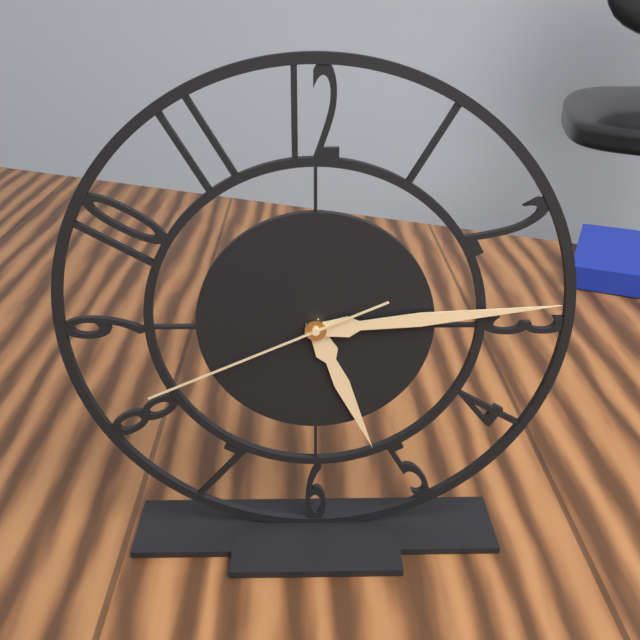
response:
h=5 m=14 s=41
